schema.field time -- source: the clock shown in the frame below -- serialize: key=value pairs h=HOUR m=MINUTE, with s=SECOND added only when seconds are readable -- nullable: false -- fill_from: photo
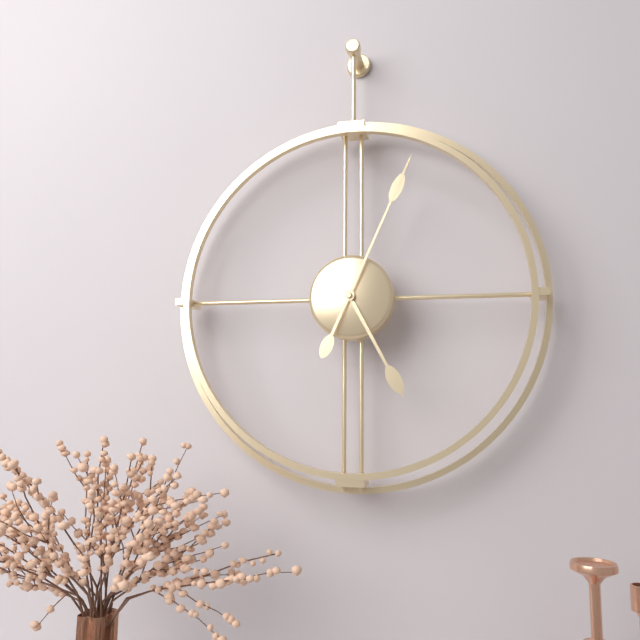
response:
h=5 m=4
